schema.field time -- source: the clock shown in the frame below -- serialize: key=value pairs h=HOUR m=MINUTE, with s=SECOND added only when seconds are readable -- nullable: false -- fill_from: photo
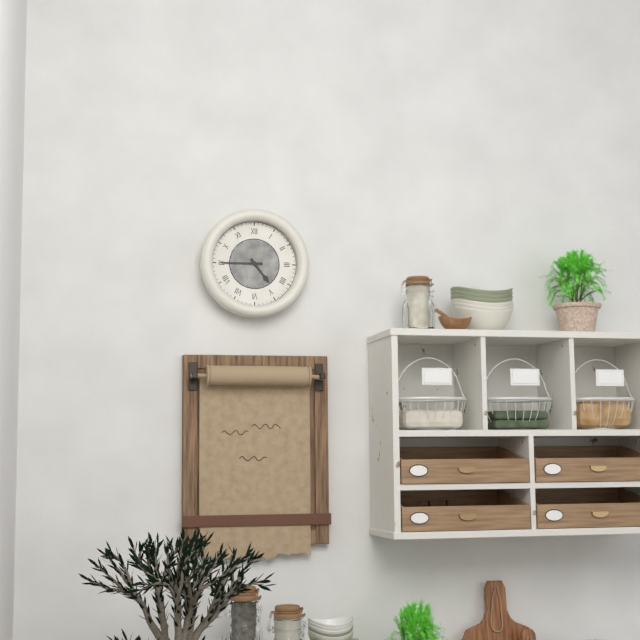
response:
h=4 m=45
